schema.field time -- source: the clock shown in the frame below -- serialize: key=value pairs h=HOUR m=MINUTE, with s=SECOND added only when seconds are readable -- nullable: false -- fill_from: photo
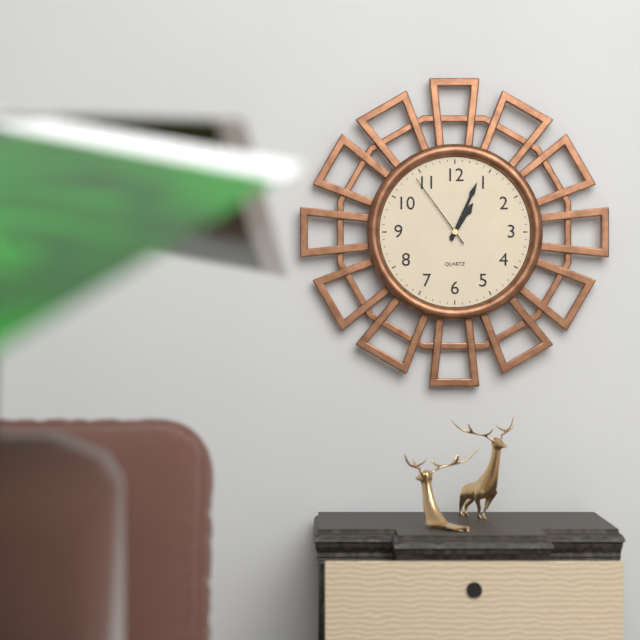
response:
h=1 m=4 s=54
